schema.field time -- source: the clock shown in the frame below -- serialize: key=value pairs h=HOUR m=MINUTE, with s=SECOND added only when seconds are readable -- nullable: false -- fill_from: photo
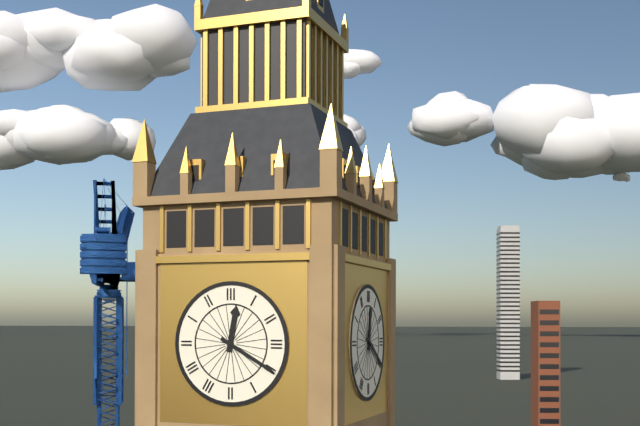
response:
h=12 m=20
